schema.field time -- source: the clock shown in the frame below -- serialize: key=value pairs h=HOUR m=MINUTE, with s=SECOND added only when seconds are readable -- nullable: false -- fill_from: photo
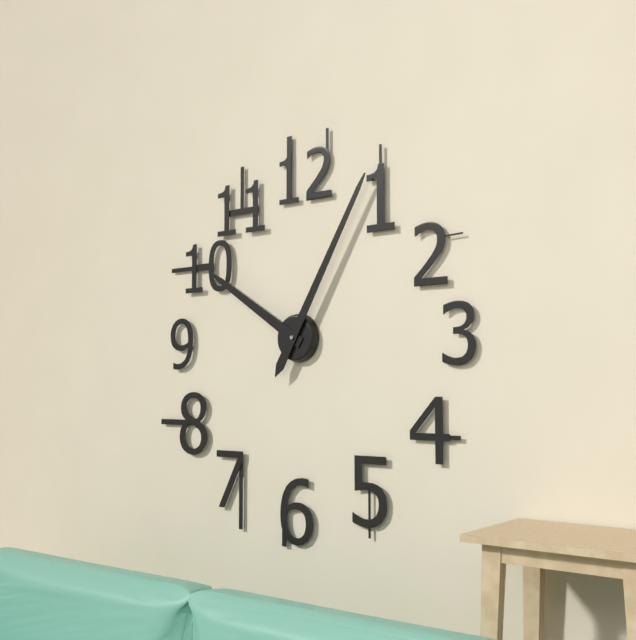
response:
h=10 m=5
